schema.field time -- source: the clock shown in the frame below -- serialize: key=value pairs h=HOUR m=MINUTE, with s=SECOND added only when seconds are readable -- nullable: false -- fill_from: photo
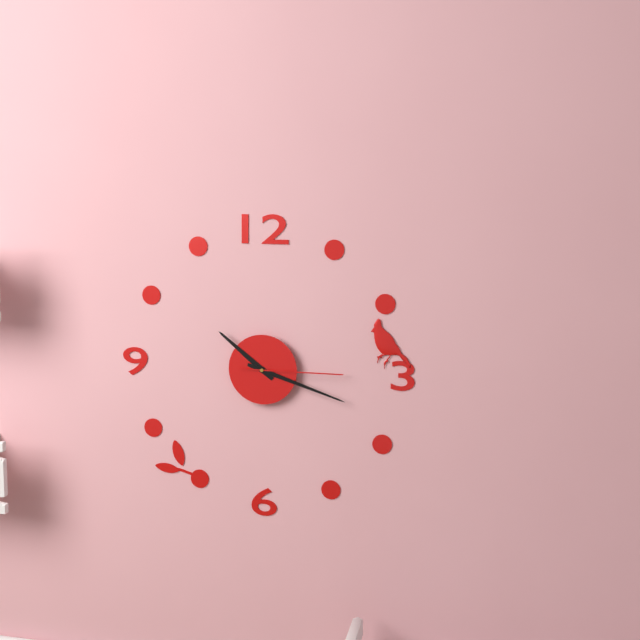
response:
h=10 m=18 s=15
